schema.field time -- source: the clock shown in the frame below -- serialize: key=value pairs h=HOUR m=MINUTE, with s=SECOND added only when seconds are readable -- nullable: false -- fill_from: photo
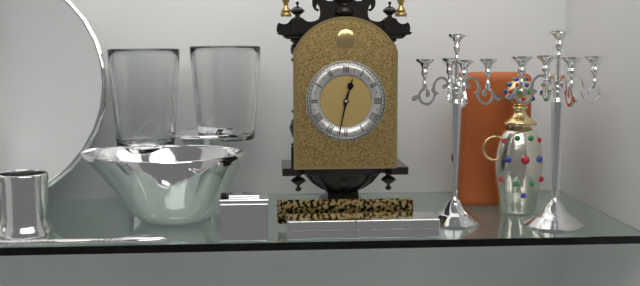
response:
h=12 m=32
